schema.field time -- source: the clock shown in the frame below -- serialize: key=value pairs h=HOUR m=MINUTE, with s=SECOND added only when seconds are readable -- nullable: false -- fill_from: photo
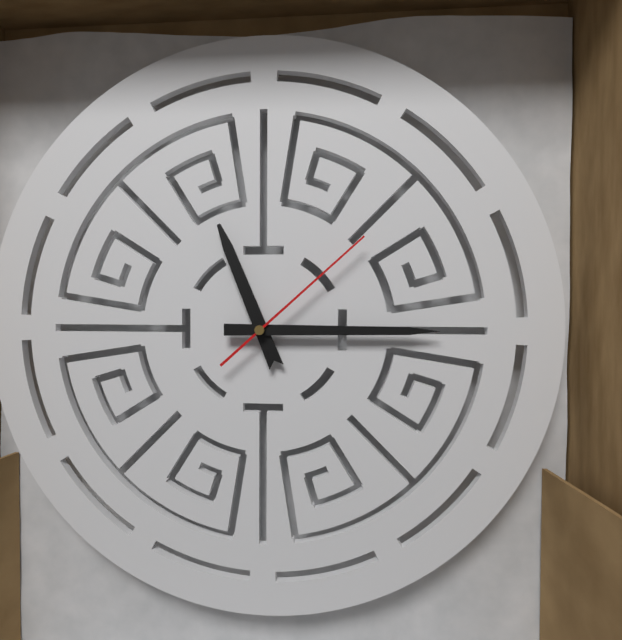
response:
h=11 m=15 s=8
